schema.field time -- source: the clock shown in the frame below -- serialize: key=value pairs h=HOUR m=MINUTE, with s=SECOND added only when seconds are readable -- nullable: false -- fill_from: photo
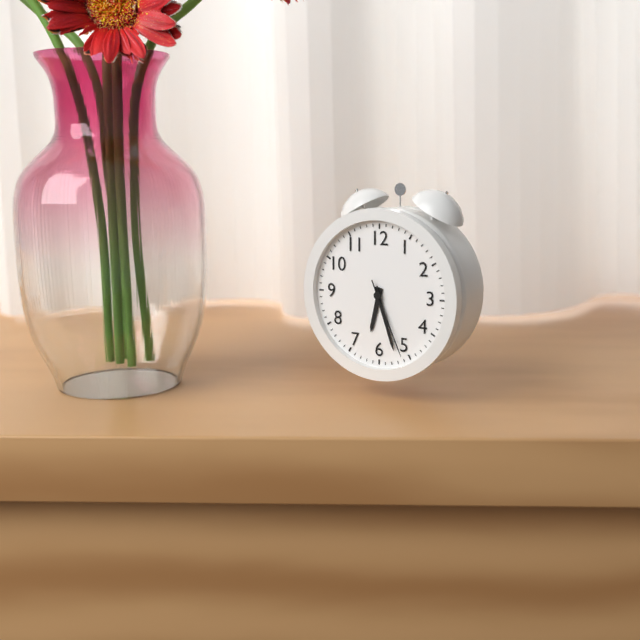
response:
h=6 m=27 s=26
